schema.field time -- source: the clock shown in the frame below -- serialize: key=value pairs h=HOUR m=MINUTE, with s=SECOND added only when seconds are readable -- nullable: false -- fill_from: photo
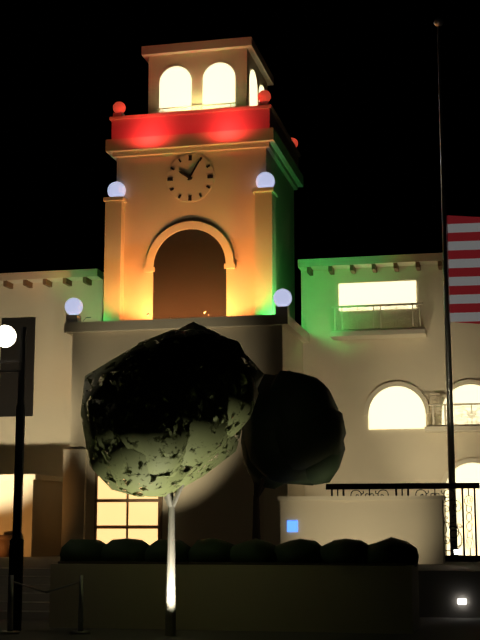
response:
h=10 m=5
